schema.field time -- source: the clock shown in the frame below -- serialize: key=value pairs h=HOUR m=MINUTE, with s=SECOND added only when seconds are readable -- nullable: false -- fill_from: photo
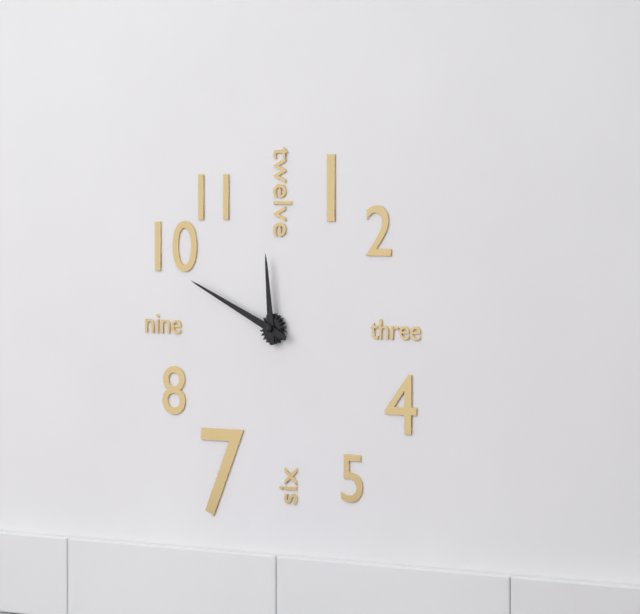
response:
h=11 m=49
